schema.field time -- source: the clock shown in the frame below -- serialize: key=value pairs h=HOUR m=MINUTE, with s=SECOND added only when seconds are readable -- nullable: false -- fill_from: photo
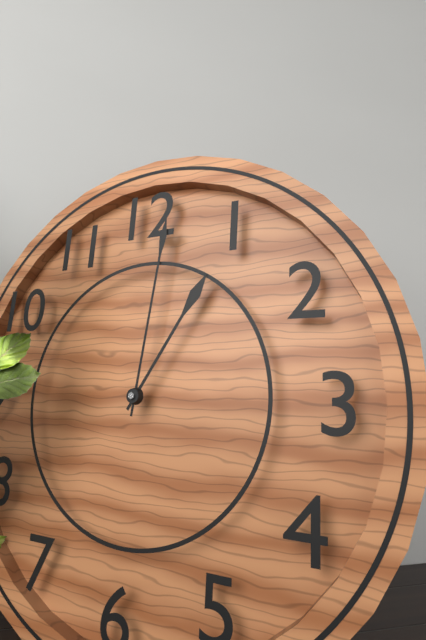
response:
h=1 m=1
